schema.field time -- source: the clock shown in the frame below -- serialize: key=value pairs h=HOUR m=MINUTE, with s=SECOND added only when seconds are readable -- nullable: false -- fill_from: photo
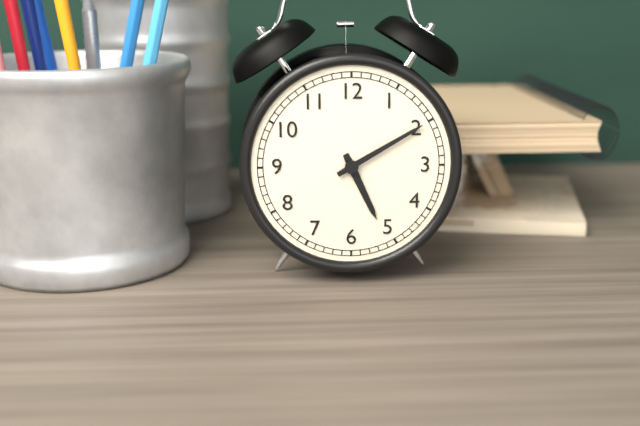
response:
h=5 m=10
